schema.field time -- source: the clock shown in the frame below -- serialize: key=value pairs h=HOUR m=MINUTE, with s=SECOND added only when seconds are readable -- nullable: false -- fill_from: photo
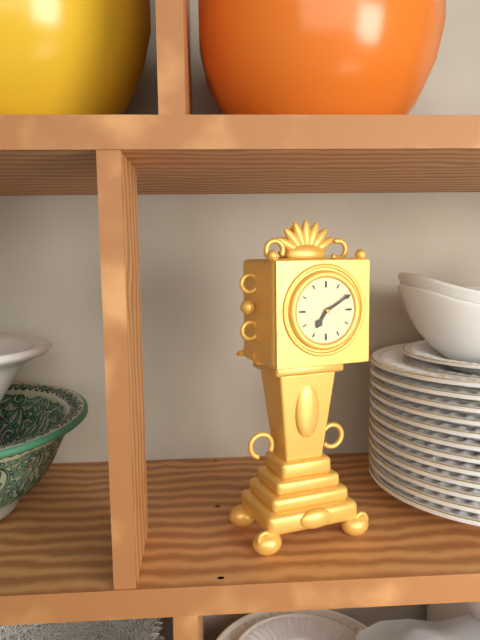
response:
h=7 m=10
